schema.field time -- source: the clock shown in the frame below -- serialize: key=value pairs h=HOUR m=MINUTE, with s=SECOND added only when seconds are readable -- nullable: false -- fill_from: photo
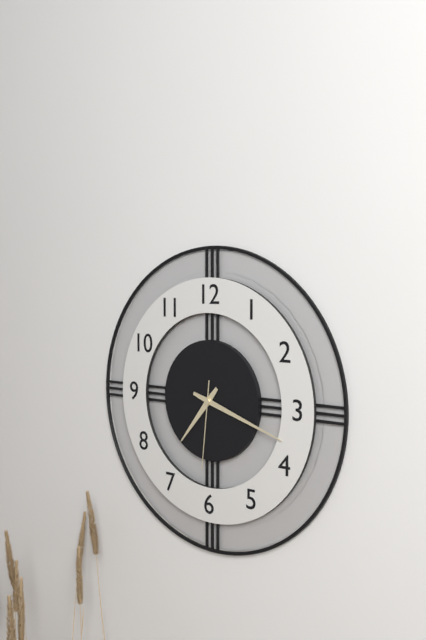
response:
h=7 m=18 s=31
